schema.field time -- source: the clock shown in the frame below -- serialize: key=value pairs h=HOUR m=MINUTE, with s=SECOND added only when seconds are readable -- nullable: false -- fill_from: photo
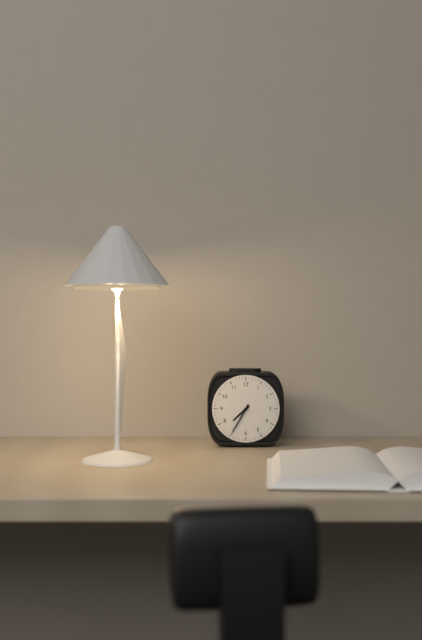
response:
h=7 m=35
